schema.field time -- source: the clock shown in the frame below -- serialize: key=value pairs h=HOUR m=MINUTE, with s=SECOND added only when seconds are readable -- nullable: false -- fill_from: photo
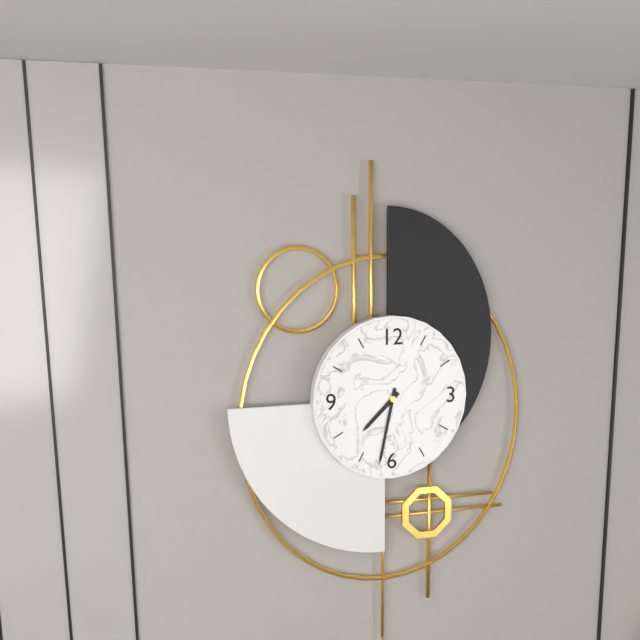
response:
h=7 m=32
